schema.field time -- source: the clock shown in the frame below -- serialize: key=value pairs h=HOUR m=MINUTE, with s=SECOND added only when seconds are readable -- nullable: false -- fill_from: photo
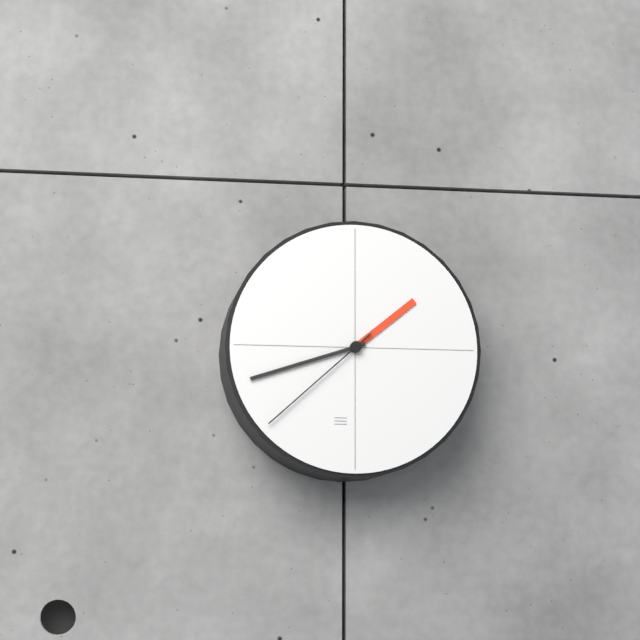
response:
h=1 m=42 s=38
